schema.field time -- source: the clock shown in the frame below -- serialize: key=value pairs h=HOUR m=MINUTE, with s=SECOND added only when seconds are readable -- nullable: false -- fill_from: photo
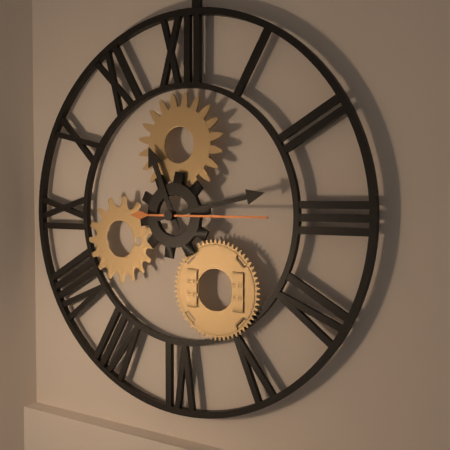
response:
h=11 m=13 s=15
